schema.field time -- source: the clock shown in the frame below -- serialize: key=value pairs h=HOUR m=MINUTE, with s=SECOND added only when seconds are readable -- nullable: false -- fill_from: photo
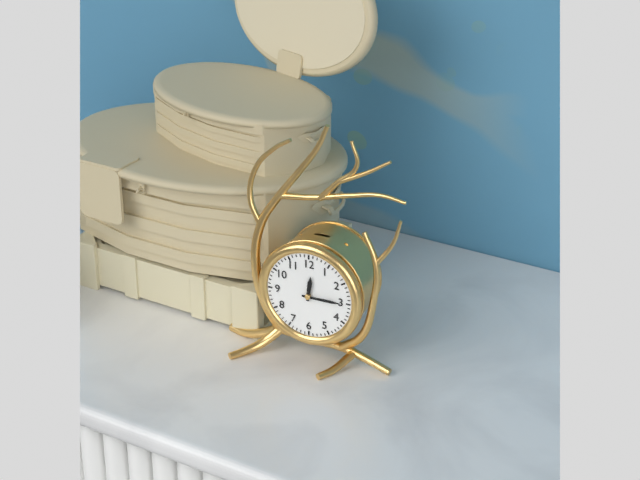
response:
h=12 m=15
